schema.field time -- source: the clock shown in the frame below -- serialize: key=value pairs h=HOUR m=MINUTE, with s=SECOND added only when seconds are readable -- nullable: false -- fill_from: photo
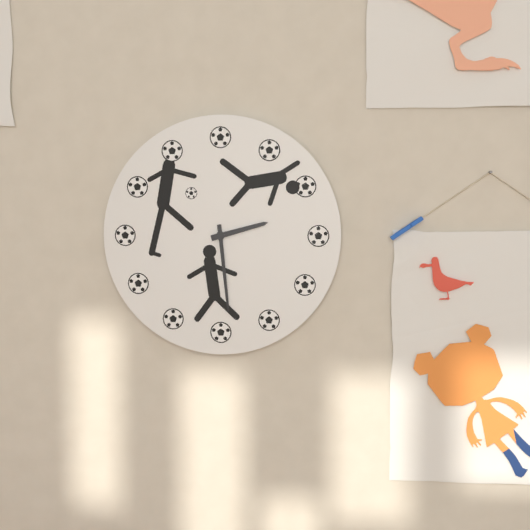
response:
h=2 m=29
